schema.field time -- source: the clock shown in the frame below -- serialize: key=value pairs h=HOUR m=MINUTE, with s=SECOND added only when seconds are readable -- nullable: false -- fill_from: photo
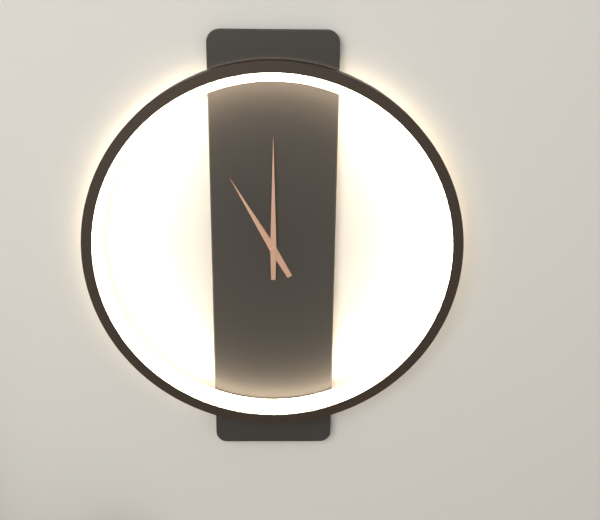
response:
h=11 m=0
